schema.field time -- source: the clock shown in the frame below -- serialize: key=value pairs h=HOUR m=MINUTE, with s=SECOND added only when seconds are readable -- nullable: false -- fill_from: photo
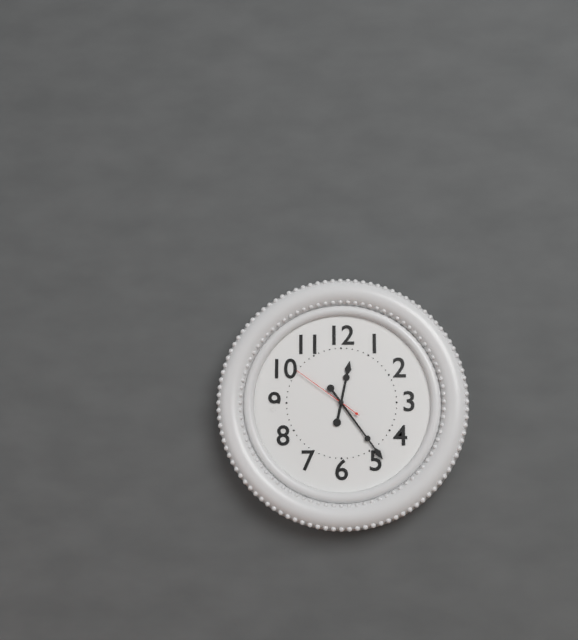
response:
h=12 m=24 s=51
